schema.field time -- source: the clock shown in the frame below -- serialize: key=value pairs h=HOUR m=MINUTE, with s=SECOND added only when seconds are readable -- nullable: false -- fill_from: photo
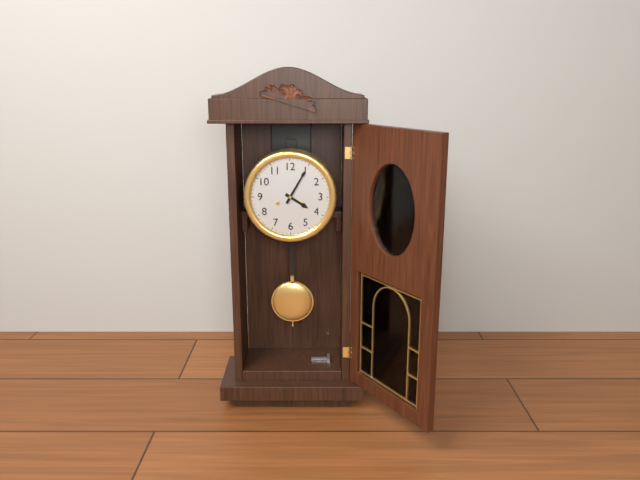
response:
h=4 m=5
